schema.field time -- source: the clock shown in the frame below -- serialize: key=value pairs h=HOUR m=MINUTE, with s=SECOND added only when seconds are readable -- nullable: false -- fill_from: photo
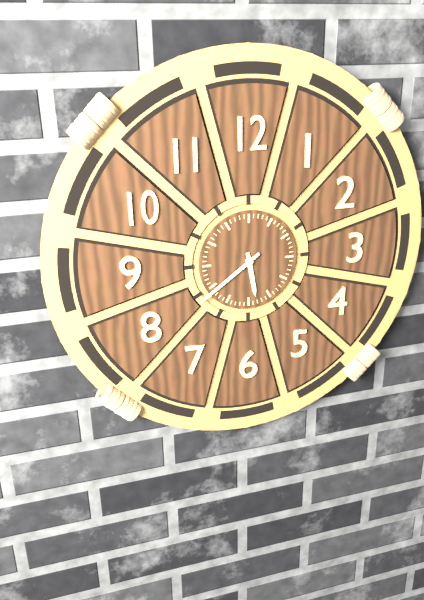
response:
h=5 m=39
